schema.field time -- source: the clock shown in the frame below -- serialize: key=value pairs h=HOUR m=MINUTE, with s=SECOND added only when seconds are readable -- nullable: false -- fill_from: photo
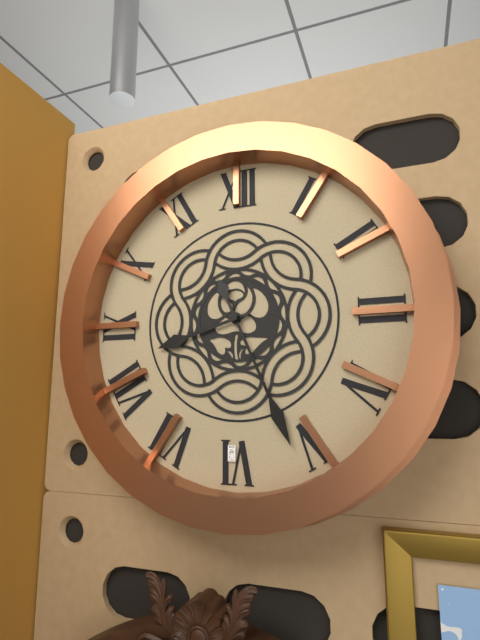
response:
h=8 m=26
